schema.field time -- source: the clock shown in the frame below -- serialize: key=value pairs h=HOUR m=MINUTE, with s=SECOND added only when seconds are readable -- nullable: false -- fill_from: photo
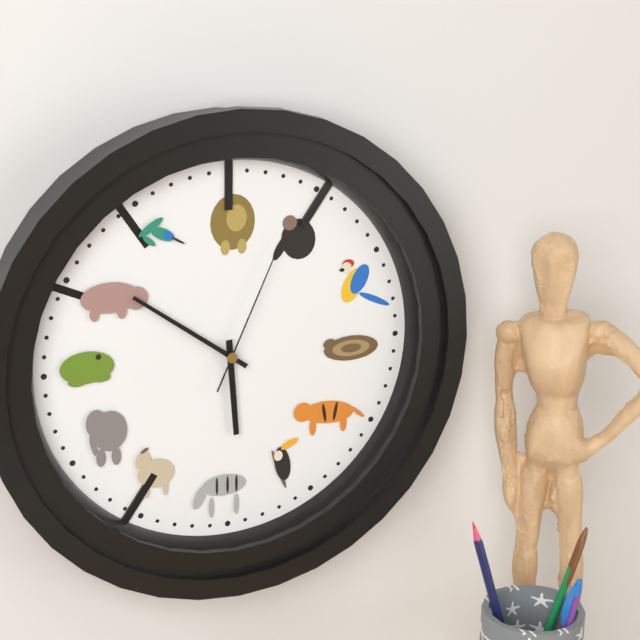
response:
h=5 m=51 s=4
